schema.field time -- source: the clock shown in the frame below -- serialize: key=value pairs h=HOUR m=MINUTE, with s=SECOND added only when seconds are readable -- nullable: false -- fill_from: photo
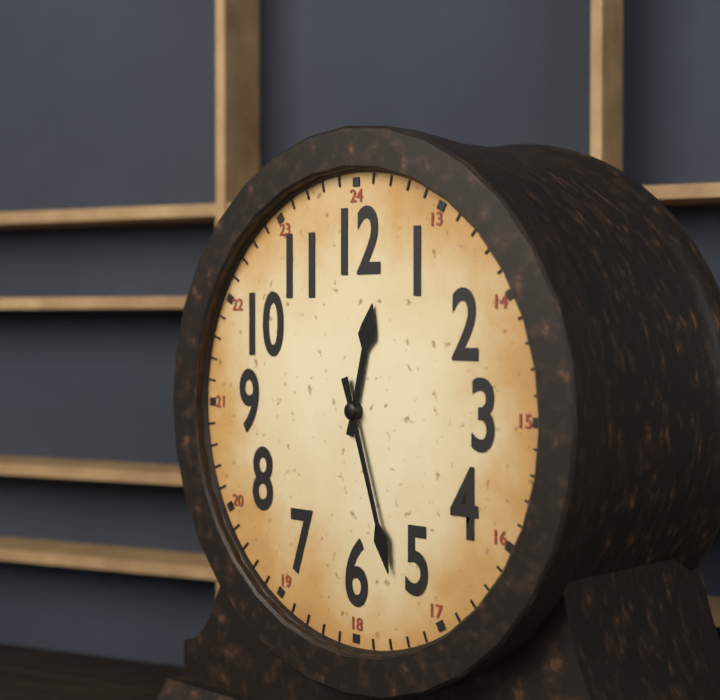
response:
h=12 m=27
